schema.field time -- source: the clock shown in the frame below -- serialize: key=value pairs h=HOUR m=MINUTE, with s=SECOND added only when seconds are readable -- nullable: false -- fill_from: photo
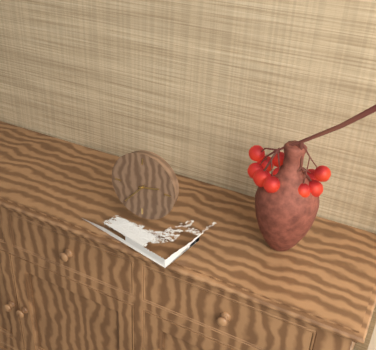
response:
h=2 m=37
